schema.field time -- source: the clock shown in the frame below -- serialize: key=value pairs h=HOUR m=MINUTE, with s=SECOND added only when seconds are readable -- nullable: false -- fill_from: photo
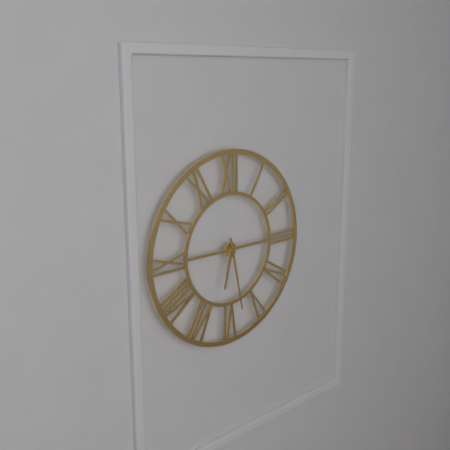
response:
h=6 m=28
